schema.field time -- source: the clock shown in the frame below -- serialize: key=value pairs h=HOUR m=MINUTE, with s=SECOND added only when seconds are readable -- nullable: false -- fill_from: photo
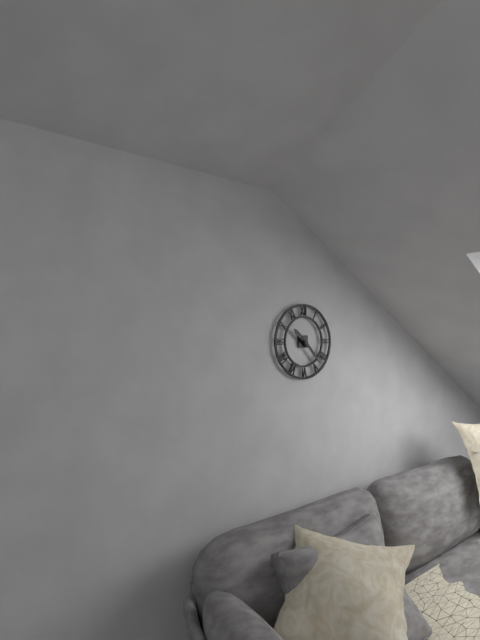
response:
h=10 m=23
